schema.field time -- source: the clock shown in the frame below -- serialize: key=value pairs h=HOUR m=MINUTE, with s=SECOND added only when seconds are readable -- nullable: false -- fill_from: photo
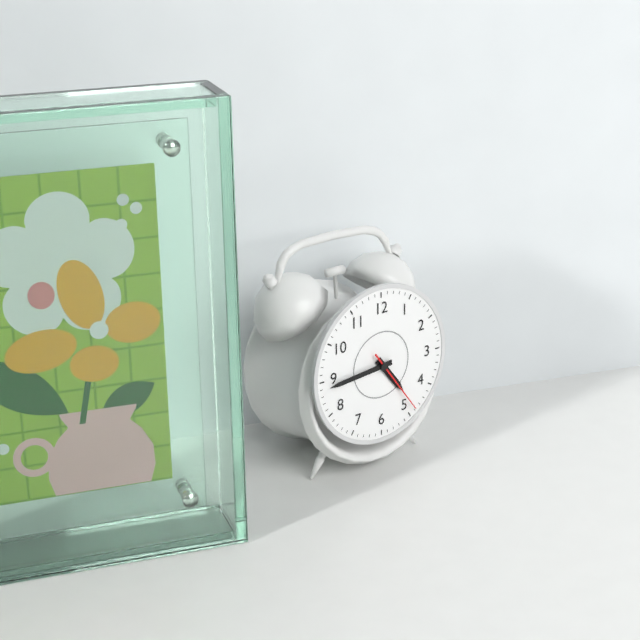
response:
h=4 m=44 s=24
